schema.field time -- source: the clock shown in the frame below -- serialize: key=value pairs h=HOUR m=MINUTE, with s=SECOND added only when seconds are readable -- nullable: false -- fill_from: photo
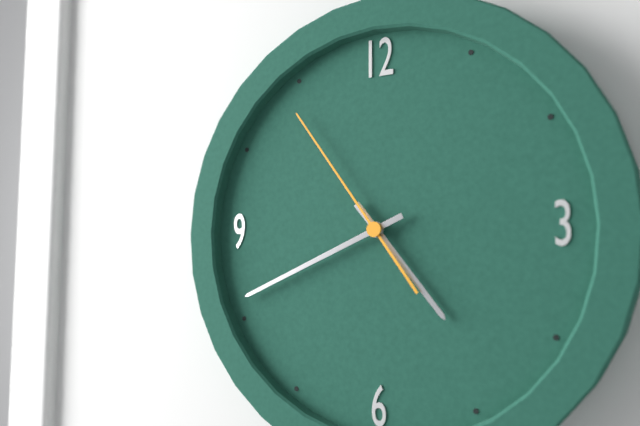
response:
h=4 m=41 s=54
